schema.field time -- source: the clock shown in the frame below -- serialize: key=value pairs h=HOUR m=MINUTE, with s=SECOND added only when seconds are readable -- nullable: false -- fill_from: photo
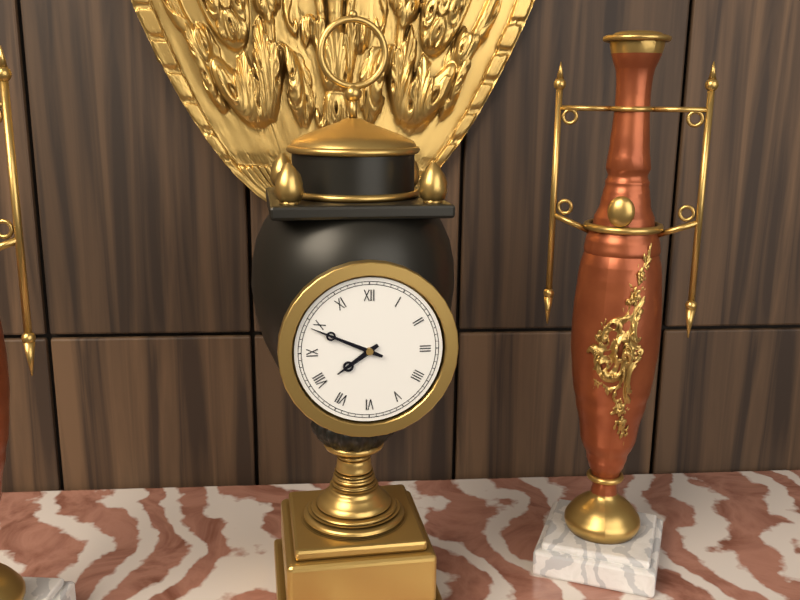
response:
h=7 m=49
